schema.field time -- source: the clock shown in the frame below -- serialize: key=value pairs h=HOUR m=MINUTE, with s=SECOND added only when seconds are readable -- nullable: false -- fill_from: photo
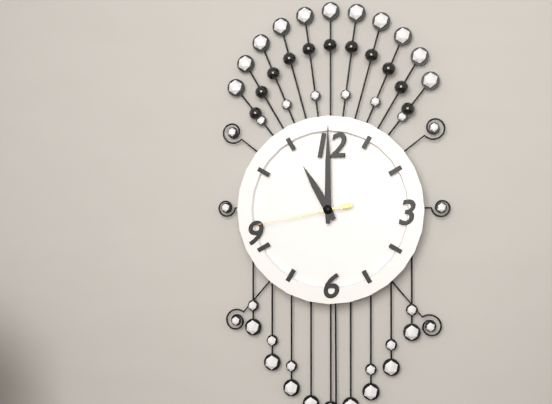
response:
h=11 m=0 s=43
